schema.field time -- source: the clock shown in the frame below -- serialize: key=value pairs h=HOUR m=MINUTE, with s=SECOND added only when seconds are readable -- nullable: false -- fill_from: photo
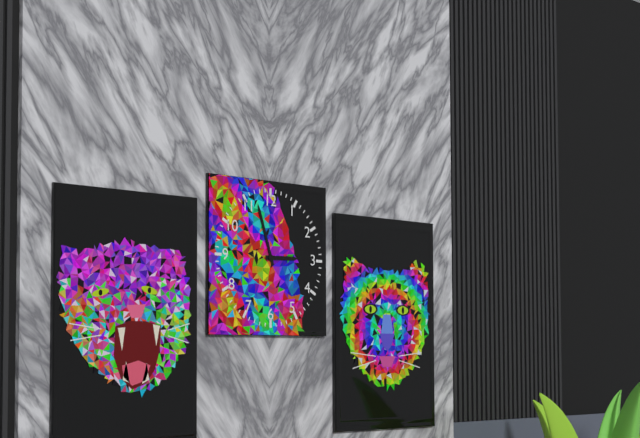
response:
h=2 m=57
